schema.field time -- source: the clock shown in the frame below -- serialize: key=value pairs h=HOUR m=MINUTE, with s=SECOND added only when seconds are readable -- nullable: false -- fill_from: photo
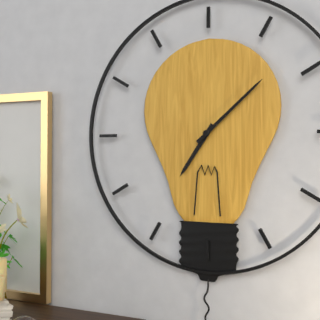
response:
h=7 m=8
